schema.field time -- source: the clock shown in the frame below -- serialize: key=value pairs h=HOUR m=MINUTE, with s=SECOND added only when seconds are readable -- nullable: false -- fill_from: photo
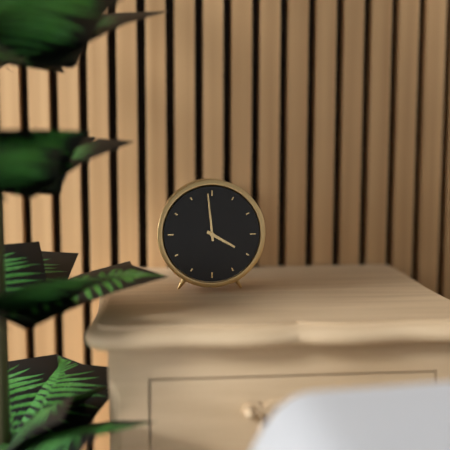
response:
h=3 m=59
